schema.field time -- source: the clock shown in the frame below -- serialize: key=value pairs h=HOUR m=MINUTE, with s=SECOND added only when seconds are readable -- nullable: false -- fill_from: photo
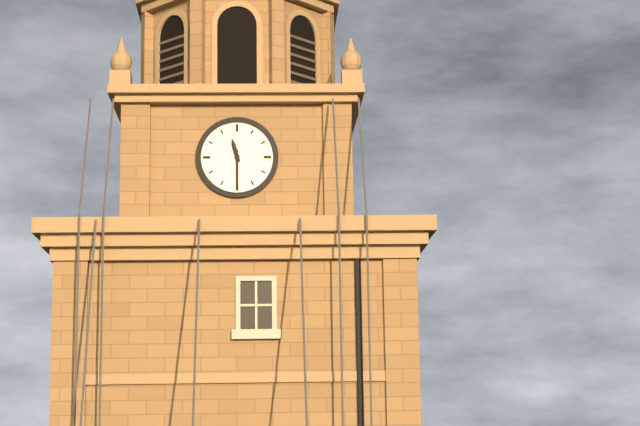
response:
h=11 m=30
